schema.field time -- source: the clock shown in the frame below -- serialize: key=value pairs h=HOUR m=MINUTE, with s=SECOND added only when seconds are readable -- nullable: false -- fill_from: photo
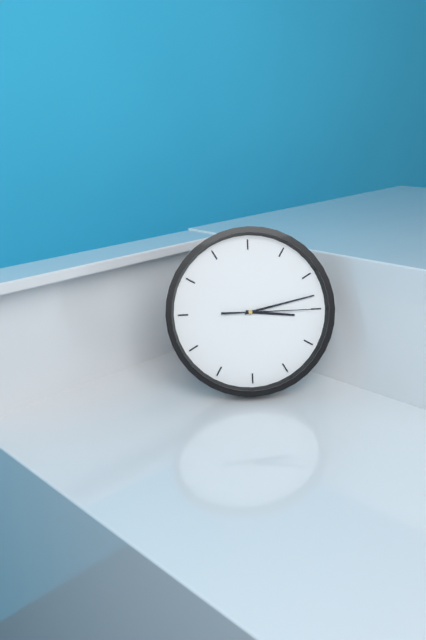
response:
h=3 m=13 s=15
